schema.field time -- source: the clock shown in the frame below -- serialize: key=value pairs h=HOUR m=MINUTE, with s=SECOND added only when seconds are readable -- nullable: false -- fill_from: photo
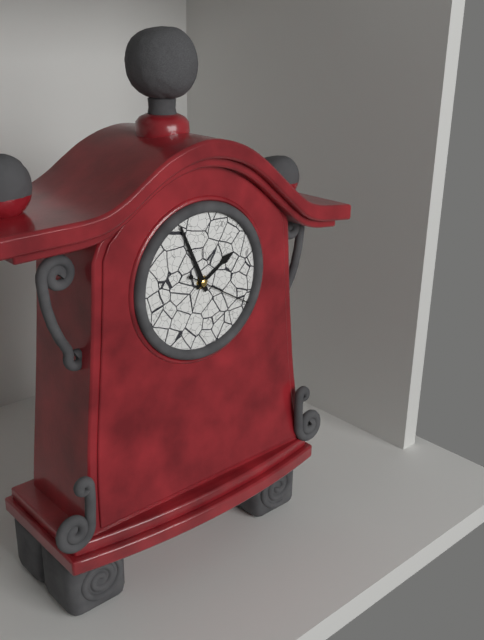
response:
h=1 m=56 s=20
